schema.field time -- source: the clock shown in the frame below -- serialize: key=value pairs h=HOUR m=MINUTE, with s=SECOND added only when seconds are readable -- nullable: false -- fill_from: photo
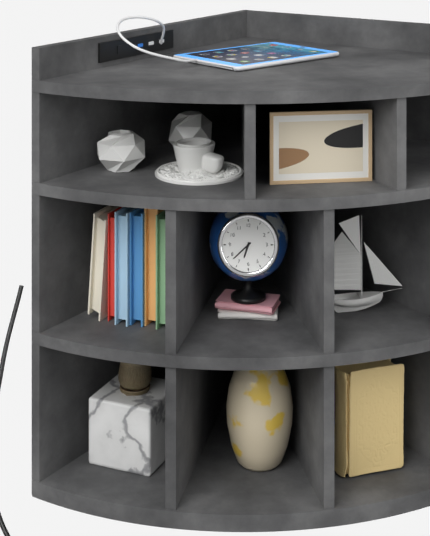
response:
h=6 m=38
